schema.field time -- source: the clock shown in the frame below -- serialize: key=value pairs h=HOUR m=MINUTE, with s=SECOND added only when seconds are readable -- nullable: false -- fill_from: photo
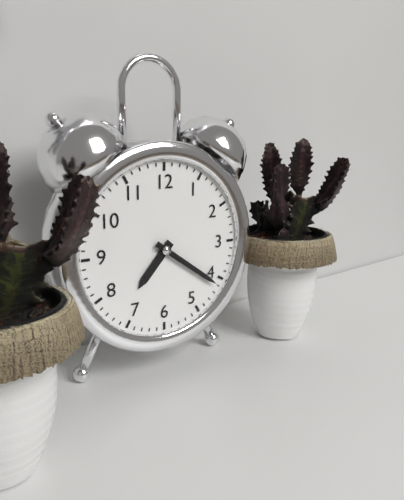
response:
h=7 m=21
